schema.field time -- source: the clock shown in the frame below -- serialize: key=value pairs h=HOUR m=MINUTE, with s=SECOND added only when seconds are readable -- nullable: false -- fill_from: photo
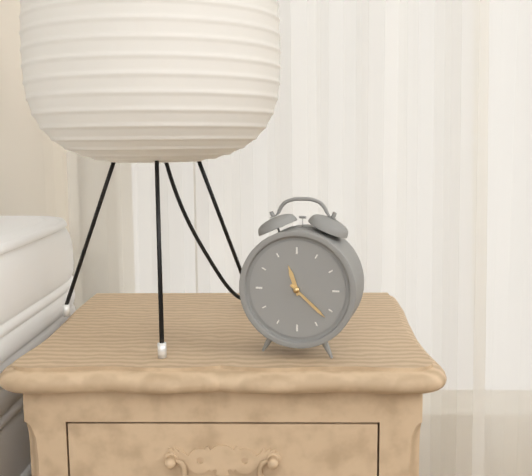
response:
h=11 m=22
